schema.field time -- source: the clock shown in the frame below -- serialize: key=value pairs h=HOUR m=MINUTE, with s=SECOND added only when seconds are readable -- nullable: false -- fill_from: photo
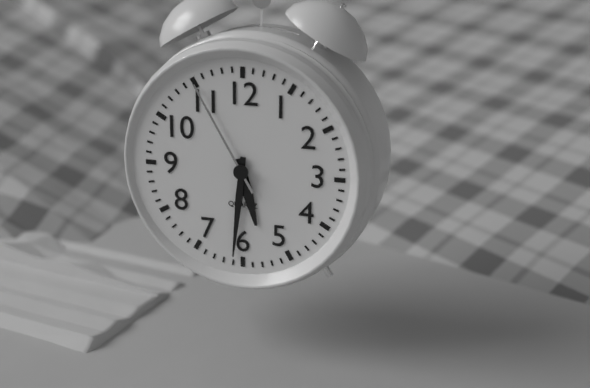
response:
h=5 m=31 s=55
